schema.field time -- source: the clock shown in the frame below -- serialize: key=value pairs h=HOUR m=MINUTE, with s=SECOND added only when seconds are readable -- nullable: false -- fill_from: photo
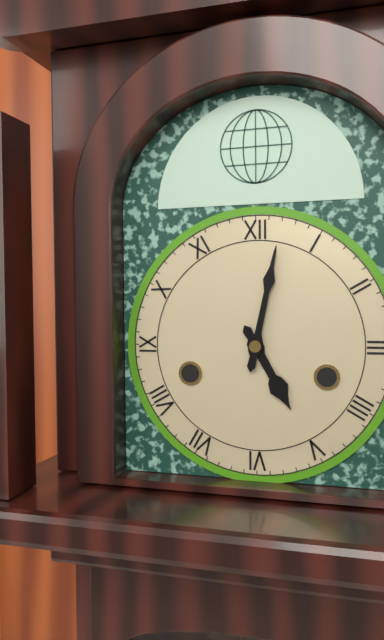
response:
h=5 m=2
